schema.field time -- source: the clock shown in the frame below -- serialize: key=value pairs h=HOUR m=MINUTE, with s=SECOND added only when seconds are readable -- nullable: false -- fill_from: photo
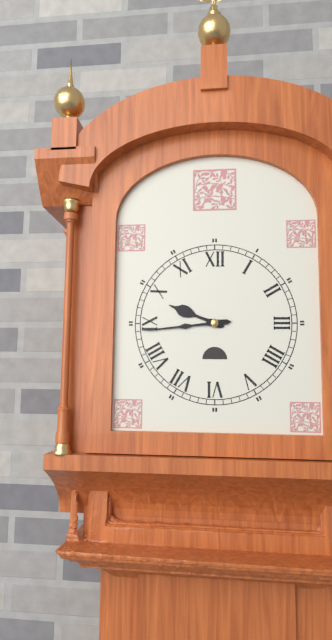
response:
h=9 m=44
